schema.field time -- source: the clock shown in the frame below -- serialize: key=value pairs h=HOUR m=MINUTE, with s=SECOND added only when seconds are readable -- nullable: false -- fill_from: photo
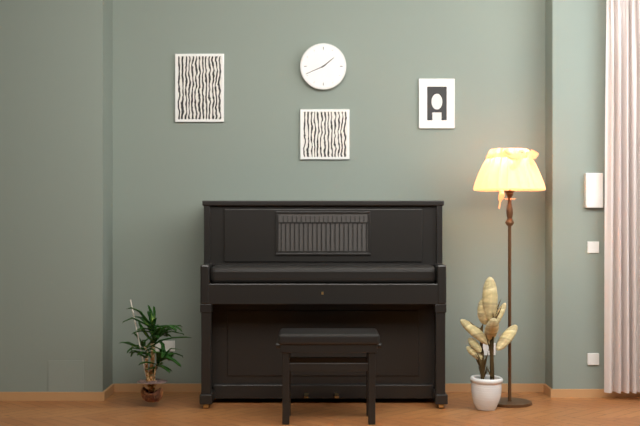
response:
h=1 m=41
